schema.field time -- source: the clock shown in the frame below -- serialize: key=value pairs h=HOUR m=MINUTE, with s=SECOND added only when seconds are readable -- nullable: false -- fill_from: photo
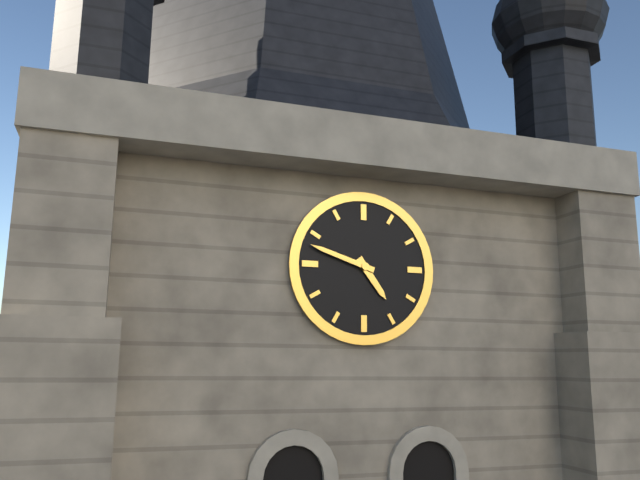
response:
h=4 m=48
